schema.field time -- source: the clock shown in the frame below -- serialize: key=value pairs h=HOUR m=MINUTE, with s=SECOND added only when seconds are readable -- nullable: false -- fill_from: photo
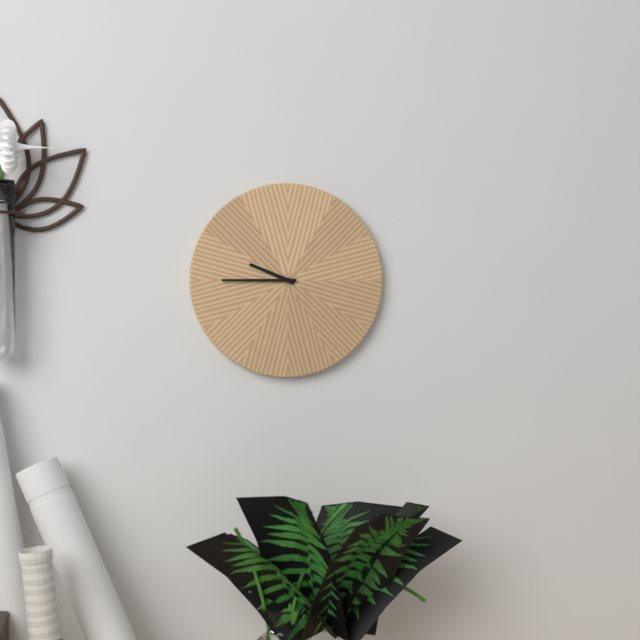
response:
h=9 m=45
